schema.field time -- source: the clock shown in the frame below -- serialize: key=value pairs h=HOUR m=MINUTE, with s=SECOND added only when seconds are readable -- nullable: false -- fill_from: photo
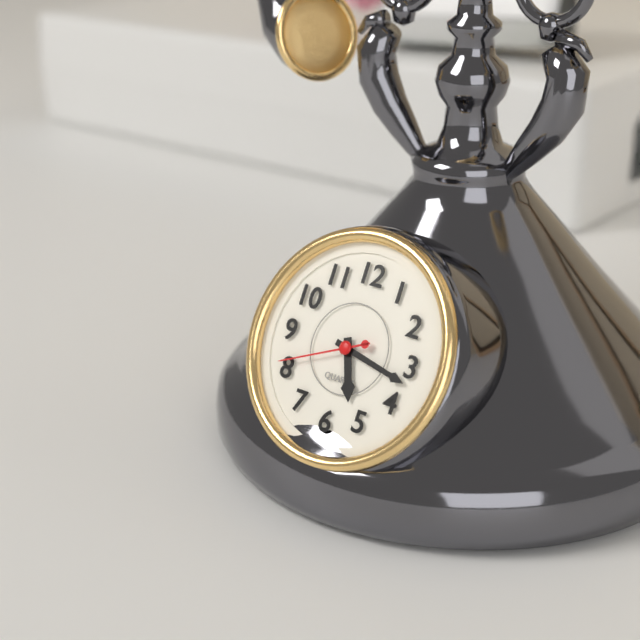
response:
h=5 m=17 s=41
